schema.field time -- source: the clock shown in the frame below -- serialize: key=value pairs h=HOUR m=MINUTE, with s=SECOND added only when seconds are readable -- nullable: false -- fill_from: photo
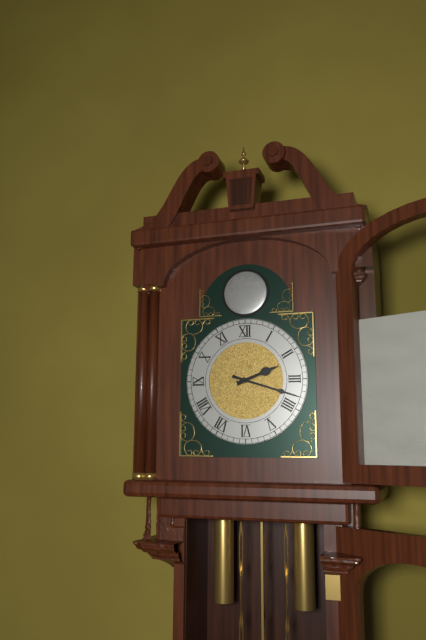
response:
h=2 m=18
